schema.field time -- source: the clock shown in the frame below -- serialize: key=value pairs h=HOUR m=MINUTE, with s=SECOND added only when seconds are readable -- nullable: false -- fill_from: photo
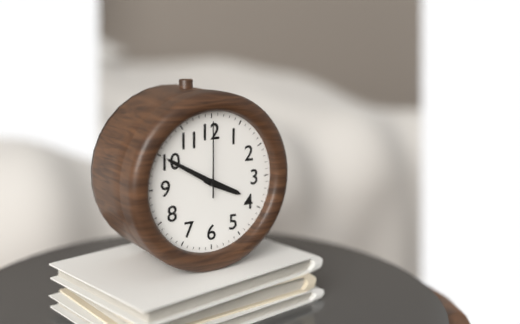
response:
h=3 m=50 s=0
